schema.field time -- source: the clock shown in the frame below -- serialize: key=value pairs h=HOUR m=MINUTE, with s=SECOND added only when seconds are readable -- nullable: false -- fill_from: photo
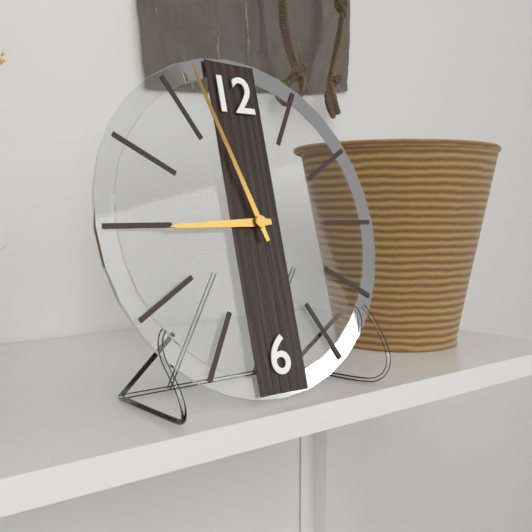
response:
h=8 m=57
